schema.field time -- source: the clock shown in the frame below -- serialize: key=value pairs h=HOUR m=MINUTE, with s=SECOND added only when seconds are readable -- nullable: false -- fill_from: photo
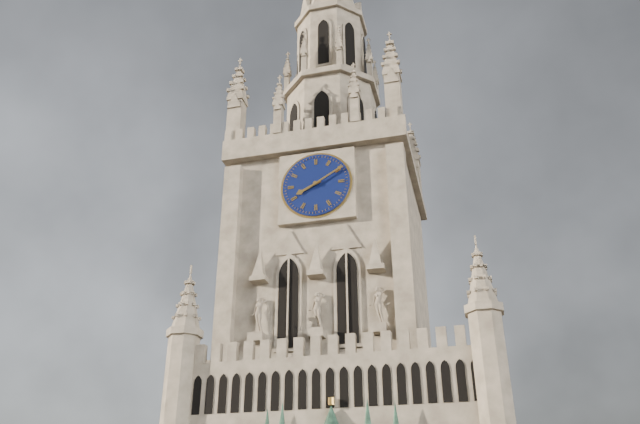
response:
h=8 m=10
